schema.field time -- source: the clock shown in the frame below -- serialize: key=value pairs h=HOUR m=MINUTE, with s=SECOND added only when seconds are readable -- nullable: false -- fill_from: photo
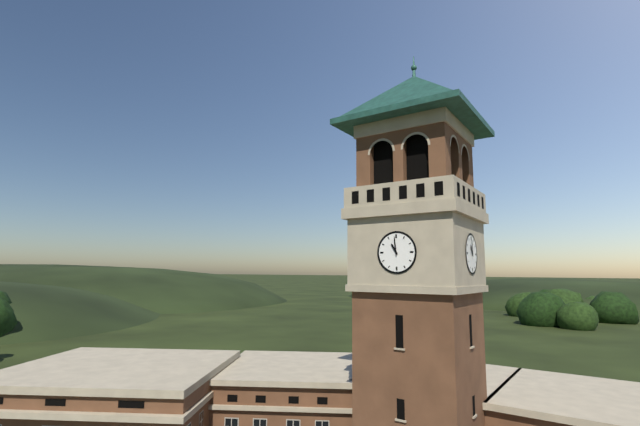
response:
h=10 m=59
